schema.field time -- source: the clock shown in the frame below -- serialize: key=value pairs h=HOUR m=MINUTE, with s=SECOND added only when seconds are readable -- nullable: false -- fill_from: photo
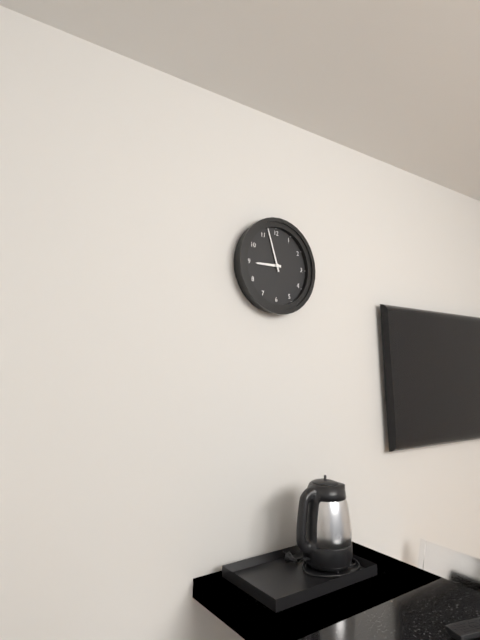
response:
h=8 m=57
